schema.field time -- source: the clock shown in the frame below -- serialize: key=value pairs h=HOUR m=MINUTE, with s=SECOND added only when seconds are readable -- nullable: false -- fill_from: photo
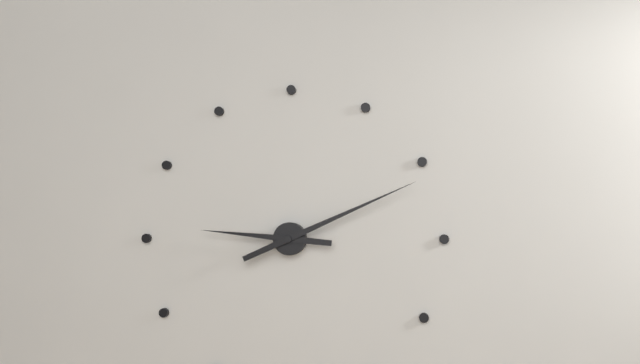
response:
h=9 m=11
